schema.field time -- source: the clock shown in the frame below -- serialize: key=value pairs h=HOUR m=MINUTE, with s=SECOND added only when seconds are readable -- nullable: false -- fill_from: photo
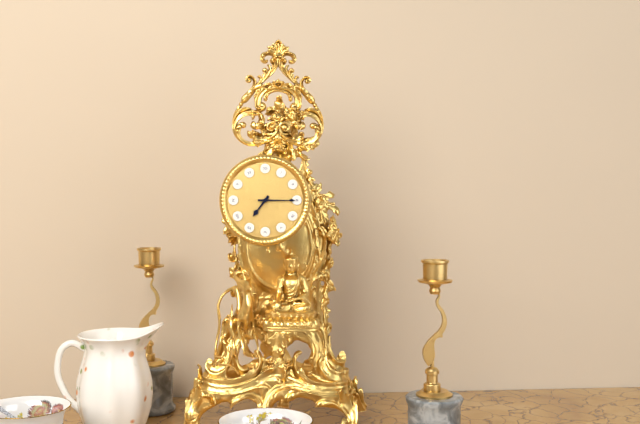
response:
h=7 m=15
